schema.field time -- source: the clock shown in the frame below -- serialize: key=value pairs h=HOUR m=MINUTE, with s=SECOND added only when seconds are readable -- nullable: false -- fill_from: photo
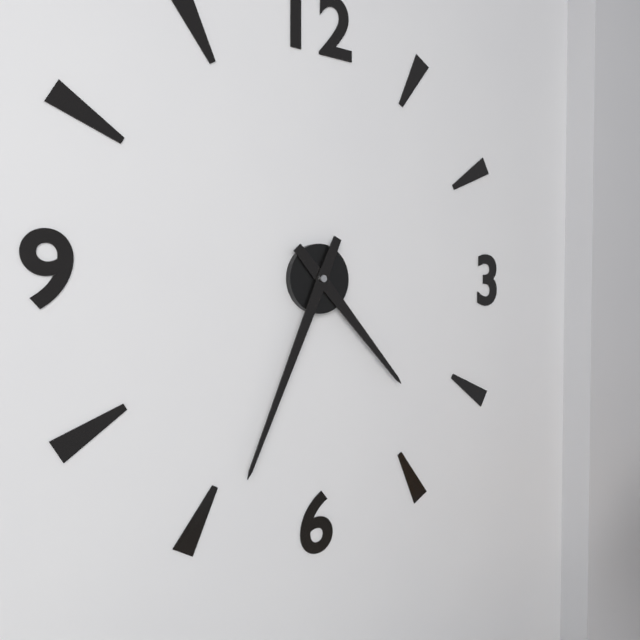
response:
h=4 m=34
